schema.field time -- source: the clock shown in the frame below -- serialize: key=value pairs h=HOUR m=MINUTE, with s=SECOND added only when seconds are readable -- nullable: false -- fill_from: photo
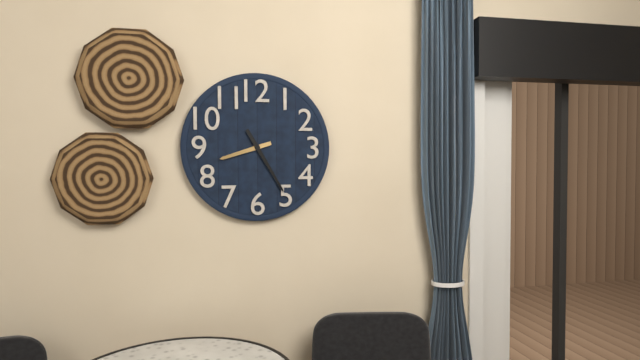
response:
h=8 m=25
